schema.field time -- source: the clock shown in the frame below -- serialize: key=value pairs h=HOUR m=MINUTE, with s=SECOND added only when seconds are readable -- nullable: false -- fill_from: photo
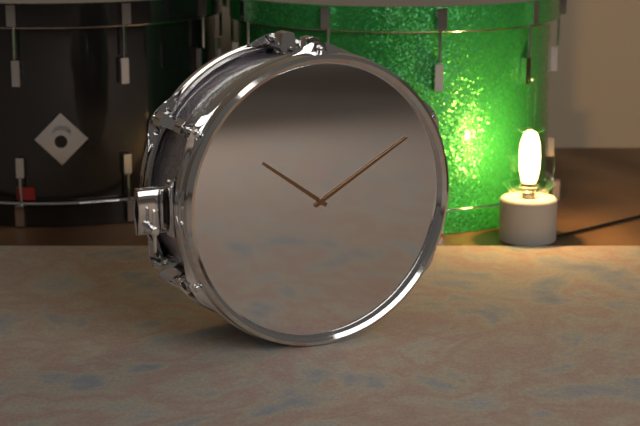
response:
h=10 m=10
